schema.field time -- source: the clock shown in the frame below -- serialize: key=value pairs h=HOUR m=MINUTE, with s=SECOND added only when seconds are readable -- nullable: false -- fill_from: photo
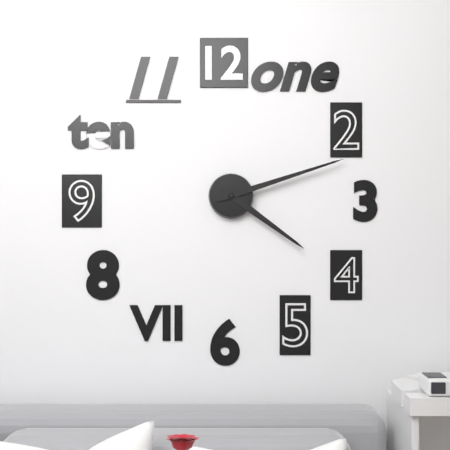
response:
h=4 m=12
